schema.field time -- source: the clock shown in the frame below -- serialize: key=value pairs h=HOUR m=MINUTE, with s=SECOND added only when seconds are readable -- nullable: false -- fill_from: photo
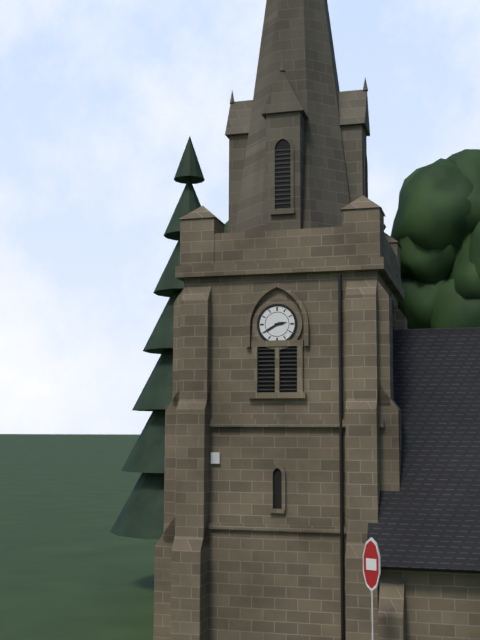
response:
h=2 m=40
